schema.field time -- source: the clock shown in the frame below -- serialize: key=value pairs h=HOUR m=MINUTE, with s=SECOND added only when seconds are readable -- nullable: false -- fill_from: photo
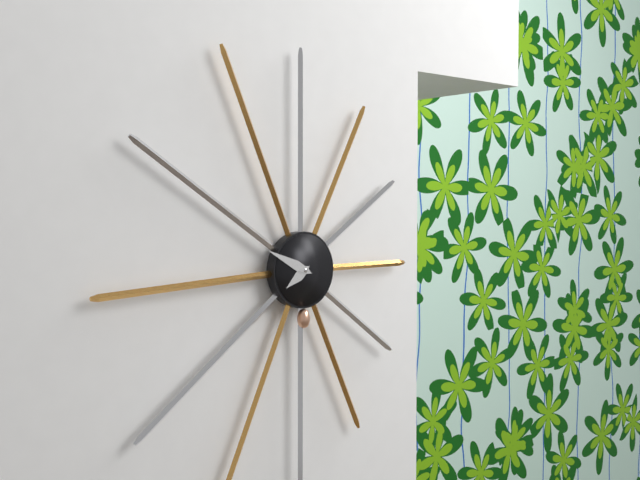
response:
h=7 m=49
